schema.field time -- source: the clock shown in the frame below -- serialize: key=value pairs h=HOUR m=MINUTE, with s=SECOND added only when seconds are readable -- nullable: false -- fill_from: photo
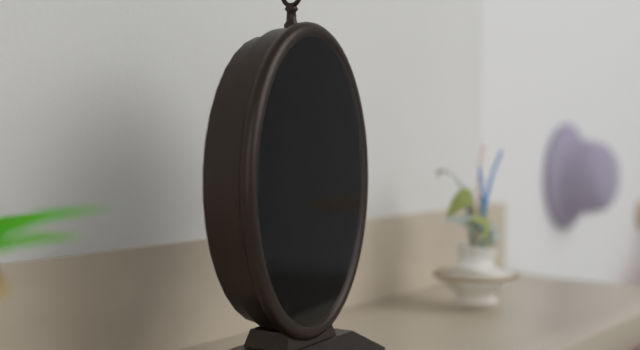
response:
h=10 m=4
